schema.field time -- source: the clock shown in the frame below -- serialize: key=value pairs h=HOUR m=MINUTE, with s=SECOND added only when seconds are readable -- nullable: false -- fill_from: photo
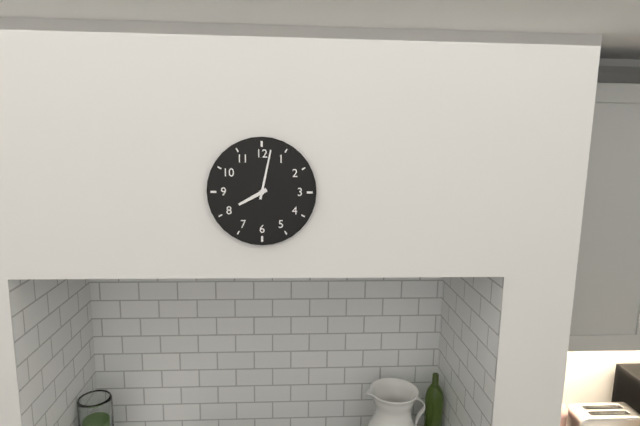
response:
h=8 m=2
